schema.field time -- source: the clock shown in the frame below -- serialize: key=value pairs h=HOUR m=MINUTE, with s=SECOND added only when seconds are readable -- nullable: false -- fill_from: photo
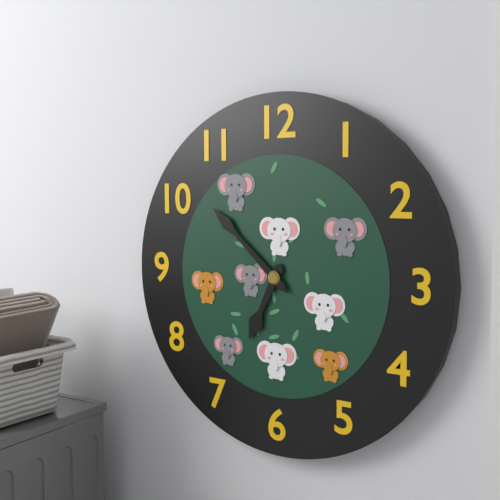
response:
h=6 m=52
